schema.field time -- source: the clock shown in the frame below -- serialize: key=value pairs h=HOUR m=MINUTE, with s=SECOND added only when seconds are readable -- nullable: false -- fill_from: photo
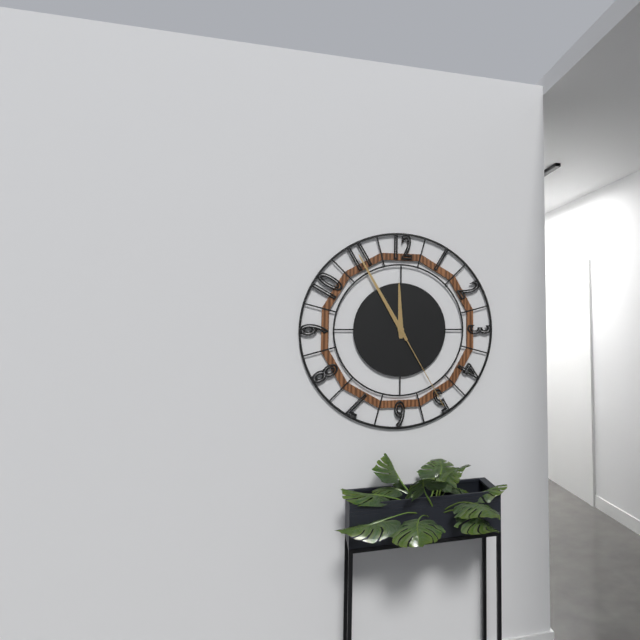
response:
h=11 m=55 s=25
